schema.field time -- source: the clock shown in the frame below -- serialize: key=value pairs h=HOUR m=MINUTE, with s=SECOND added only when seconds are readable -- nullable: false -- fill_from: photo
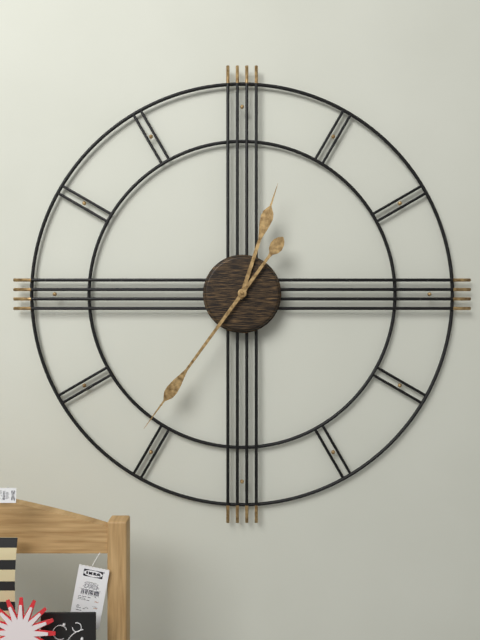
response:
h=12 m=36
